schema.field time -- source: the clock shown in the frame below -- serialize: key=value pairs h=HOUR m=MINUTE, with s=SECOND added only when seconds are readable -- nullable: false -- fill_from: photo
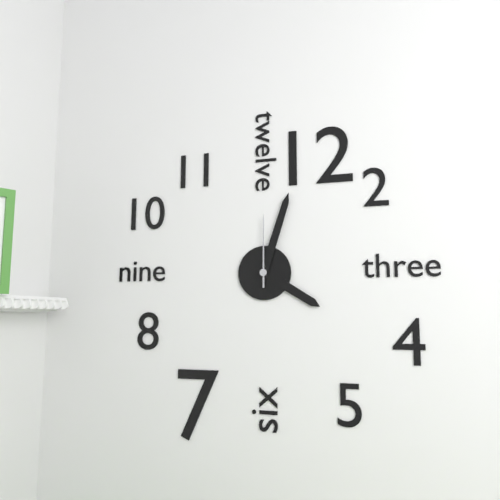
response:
h=4 m=3 s=0
